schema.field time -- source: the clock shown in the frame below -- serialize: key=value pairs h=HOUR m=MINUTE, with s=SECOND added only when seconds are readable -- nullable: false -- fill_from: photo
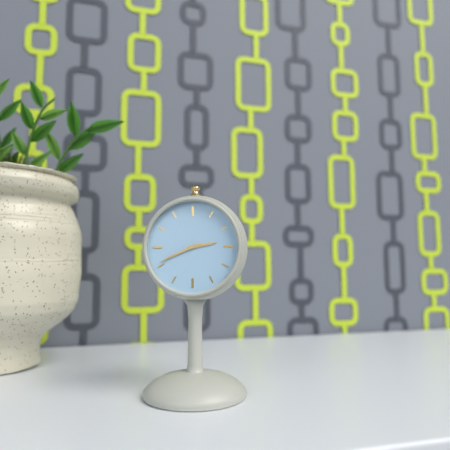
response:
h=2 m=41
